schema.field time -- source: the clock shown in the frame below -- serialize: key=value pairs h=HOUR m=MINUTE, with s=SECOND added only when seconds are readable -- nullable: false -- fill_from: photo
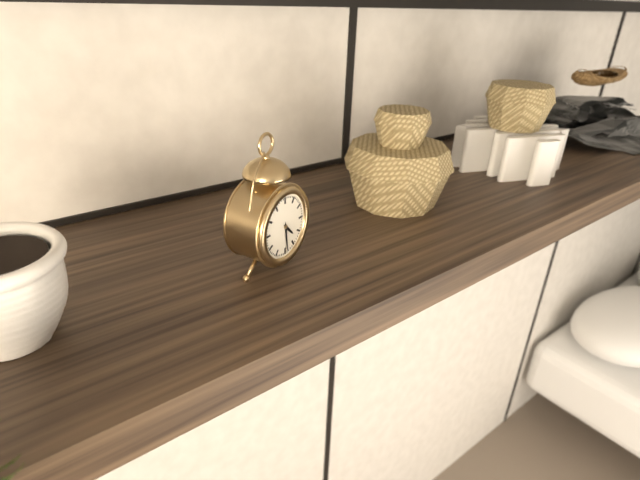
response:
h=4 m=29
